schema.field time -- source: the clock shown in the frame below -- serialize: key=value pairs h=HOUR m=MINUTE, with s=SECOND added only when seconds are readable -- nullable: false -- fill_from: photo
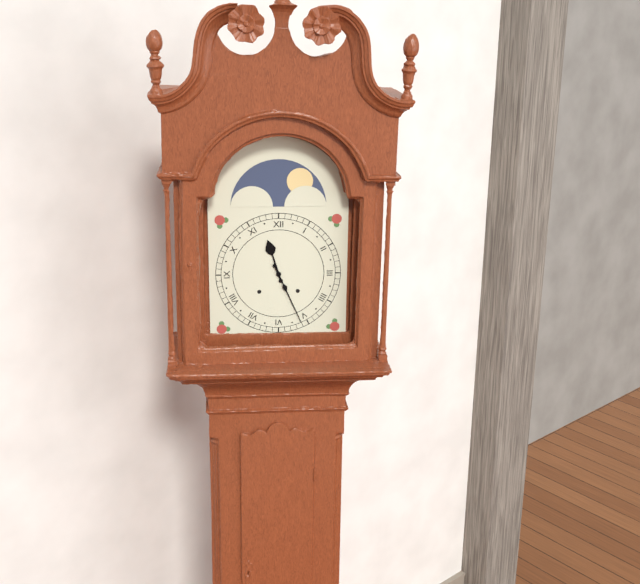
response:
h=11 m=26
